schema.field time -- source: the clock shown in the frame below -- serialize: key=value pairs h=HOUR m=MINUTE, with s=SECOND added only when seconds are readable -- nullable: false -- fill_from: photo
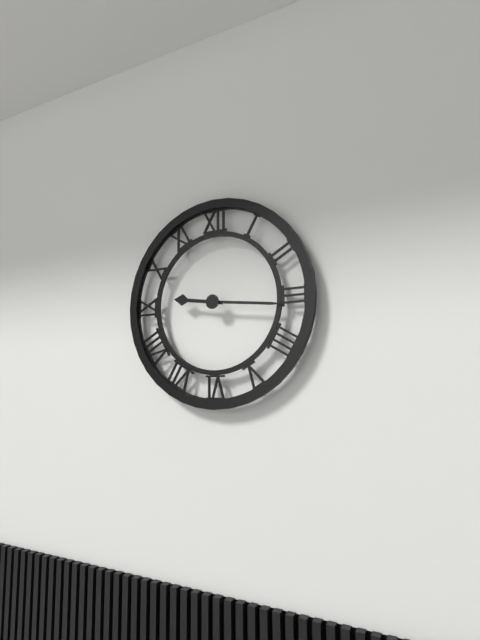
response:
h=9 m=16
